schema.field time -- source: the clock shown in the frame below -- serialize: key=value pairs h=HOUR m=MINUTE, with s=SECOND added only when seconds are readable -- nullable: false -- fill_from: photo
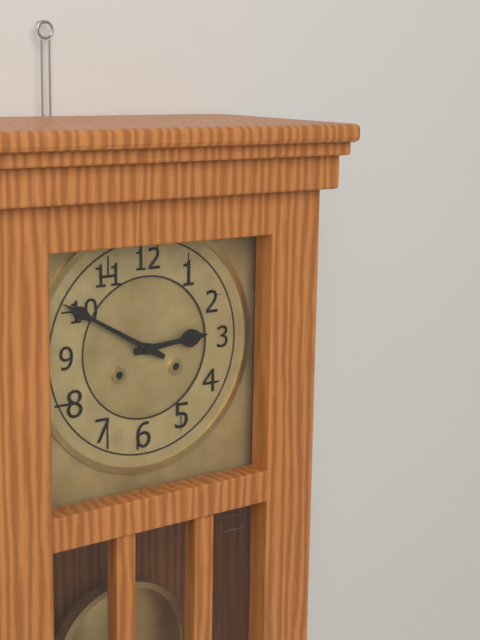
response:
h=2 m=50
